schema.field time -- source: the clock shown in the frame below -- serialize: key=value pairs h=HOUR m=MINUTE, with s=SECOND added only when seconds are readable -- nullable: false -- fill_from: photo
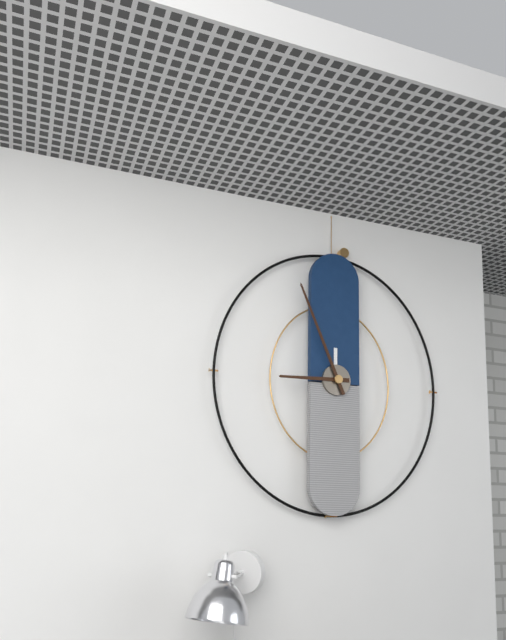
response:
h=8 m=56
